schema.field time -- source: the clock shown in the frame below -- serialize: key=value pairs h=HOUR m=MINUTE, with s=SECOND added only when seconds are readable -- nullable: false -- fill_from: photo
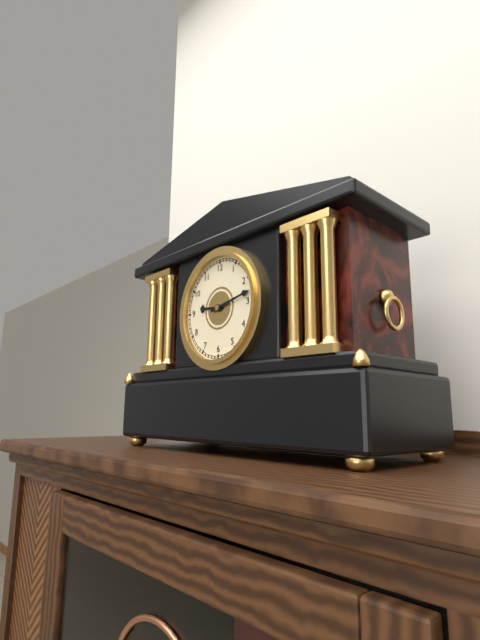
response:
h=9 m=13
